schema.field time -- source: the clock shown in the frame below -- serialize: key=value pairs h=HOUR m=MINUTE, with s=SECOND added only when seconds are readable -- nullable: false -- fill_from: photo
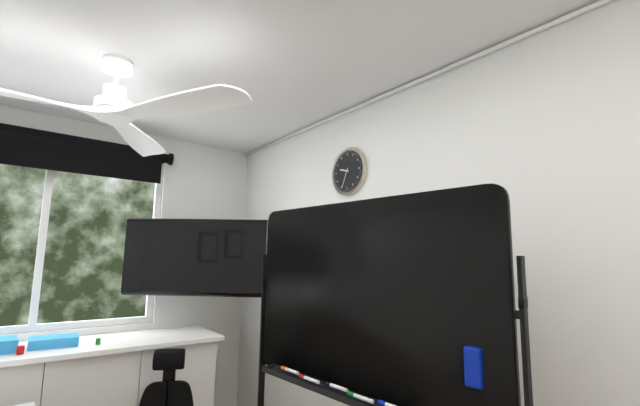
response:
h=9 m=34
